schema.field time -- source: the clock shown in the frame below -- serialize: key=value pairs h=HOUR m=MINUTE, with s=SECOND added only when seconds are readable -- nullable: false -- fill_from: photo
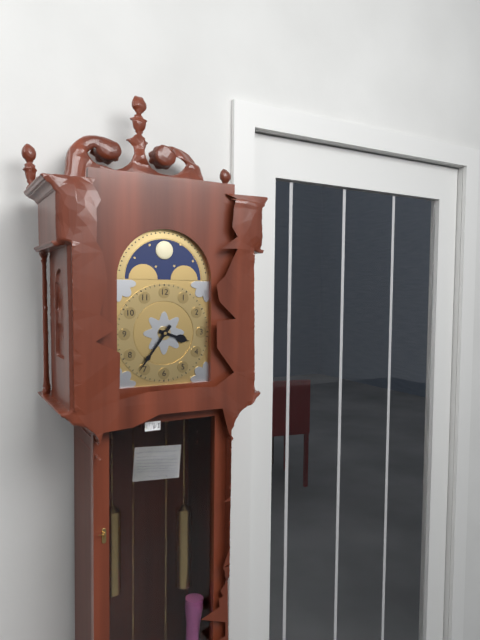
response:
h=3 m=36
